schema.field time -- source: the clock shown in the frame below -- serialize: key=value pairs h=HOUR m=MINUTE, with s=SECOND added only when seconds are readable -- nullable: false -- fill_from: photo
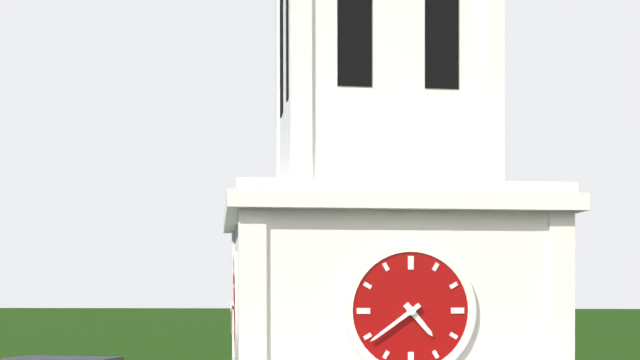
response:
h=4 m=39
